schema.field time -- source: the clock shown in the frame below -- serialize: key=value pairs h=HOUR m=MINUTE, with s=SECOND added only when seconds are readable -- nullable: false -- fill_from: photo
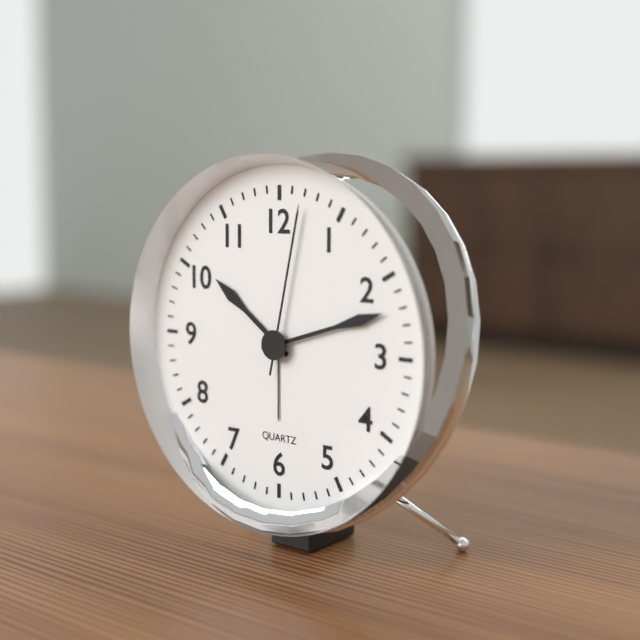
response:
h=10 m=12 s=2
